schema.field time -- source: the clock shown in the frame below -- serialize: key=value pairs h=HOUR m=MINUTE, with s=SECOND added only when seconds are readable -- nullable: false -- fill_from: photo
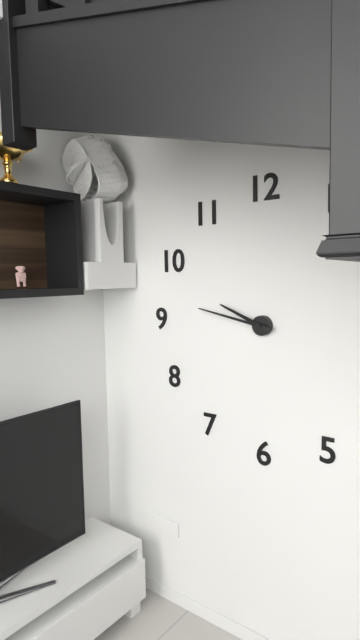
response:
h=9 m=47
